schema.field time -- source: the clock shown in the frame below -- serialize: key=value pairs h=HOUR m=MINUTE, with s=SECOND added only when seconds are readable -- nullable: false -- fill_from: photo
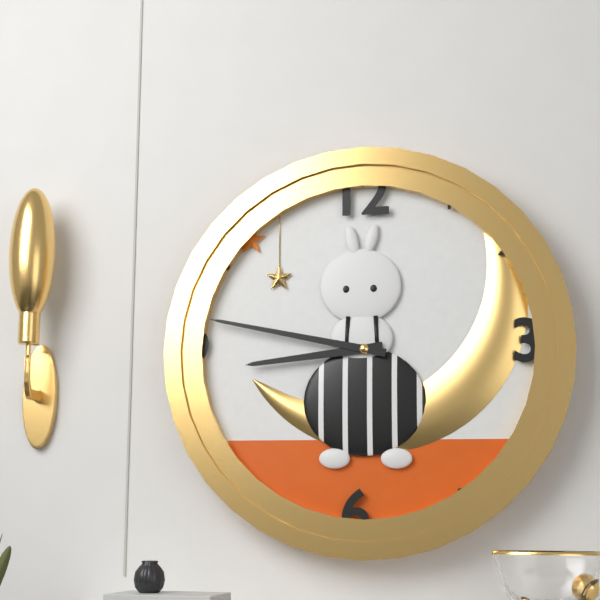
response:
h=8 m=47
